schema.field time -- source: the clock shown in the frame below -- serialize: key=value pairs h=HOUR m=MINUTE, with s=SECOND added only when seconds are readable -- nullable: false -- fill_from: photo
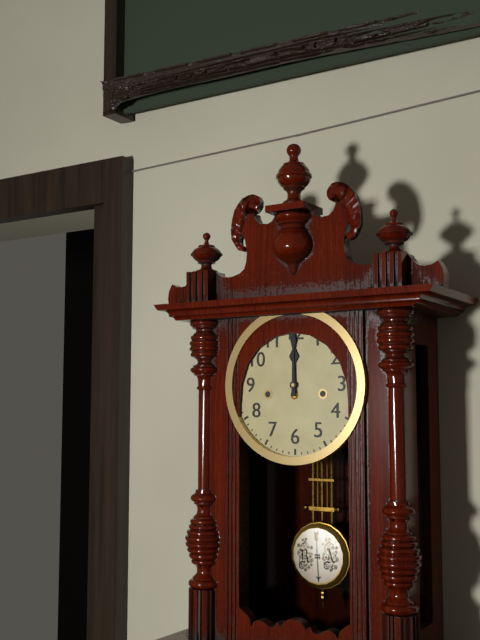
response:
h=12 m=0
